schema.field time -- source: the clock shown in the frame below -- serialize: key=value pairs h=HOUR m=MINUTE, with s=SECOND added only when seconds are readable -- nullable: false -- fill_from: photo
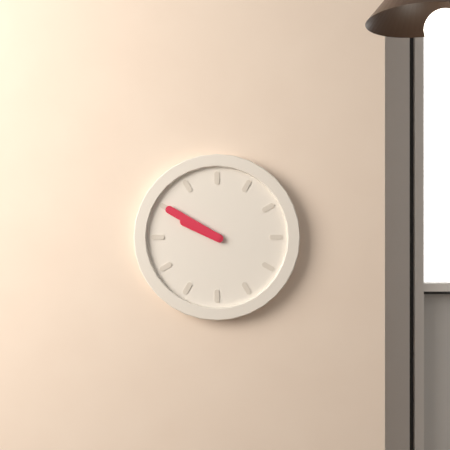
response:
h=9 m=50
